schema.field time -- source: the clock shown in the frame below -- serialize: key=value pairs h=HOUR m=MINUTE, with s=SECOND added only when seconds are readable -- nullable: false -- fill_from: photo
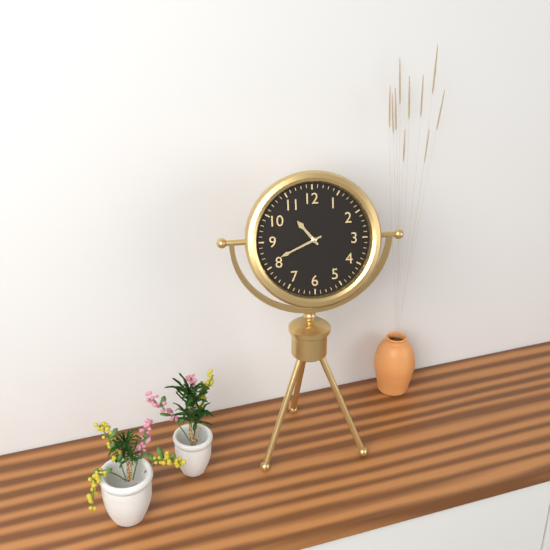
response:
h=10 m=41
